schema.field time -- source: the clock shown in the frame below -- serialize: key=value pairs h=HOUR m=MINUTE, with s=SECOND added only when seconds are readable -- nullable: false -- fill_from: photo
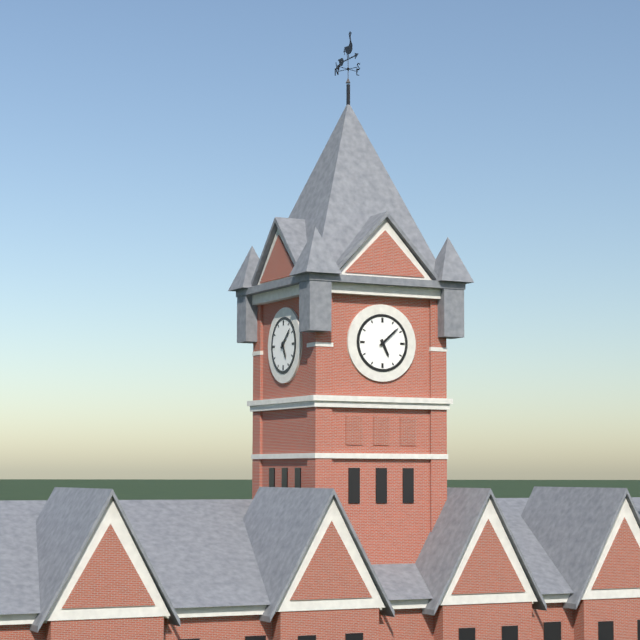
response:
h=5 m=8
